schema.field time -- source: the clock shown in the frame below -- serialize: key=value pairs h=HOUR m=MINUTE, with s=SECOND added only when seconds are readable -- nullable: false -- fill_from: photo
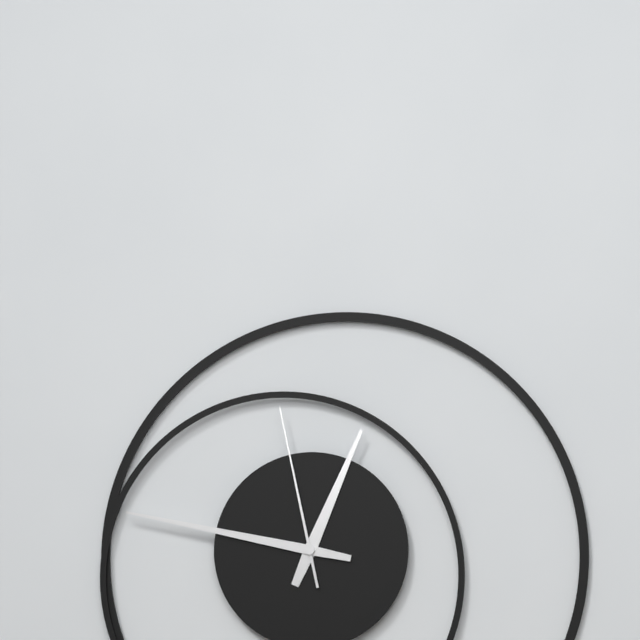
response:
h=12 m=47 s=58
